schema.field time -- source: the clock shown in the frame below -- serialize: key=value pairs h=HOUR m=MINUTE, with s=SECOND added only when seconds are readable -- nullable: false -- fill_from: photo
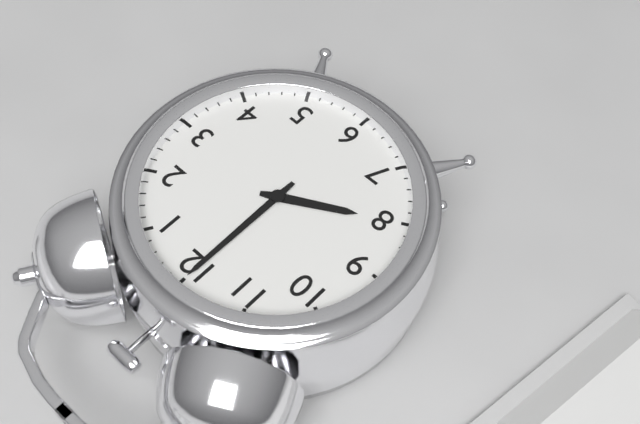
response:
h=8 m=0
